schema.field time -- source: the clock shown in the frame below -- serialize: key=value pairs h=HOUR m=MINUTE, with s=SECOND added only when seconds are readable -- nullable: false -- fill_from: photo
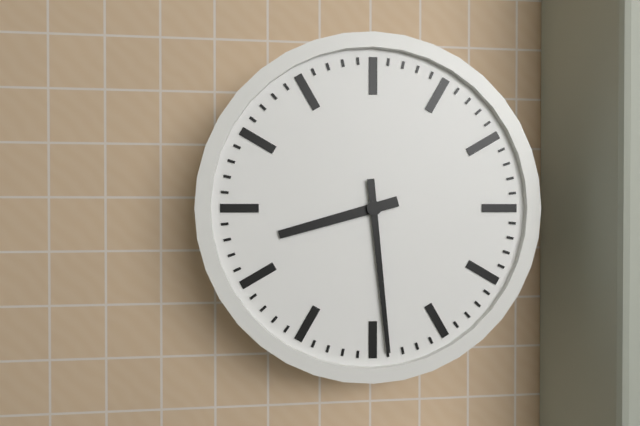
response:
h=8 m=29
